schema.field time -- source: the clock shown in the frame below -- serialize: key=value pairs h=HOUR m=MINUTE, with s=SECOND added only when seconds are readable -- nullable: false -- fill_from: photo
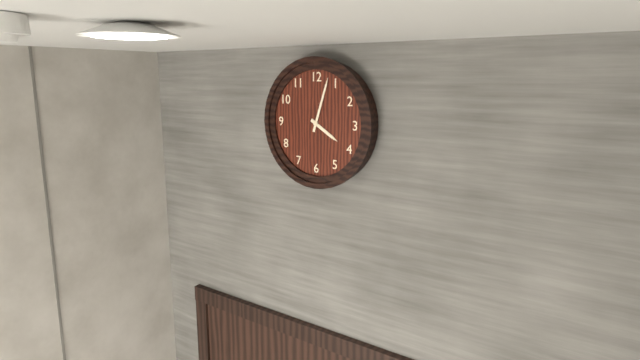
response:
h=4 m=3
